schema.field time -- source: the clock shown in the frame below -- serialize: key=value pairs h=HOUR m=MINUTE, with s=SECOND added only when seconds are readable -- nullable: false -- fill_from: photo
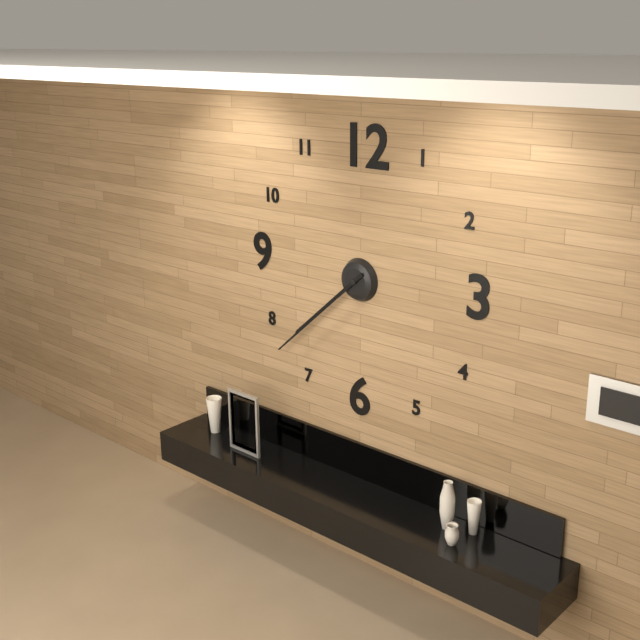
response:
h=7 m=38
